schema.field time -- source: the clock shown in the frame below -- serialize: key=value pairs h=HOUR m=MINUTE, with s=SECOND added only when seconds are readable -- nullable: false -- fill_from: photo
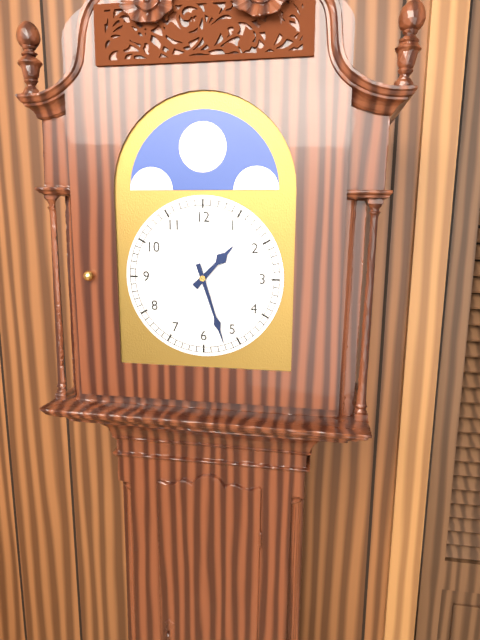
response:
h=1 m=27
